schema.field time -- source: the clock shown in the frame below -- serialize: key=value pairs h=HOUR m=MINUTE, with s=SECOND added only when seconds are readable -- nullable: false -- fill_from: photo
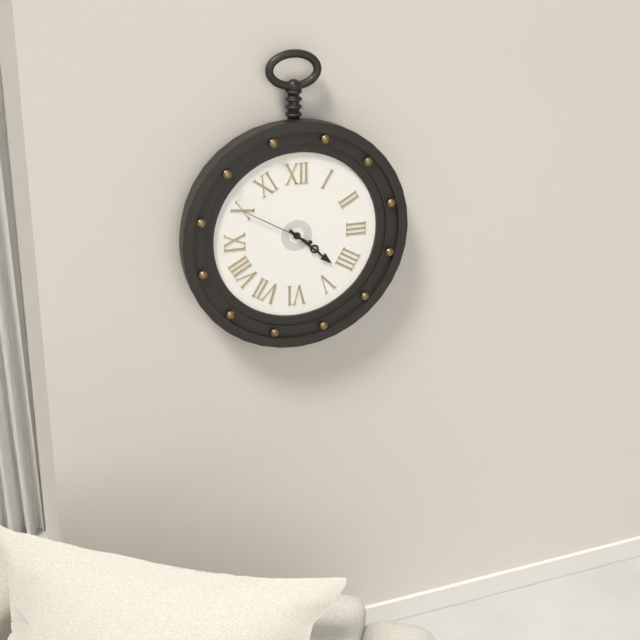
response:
h=4 m=22 s=50
